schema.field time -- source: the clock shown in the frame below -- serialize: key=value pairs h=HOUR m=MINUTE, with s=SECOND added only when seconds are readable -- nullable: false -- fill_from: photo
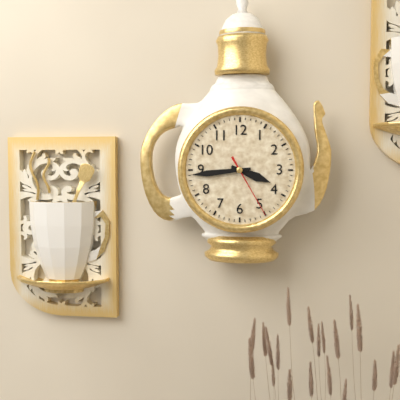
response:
h=3 m=44 s=25
